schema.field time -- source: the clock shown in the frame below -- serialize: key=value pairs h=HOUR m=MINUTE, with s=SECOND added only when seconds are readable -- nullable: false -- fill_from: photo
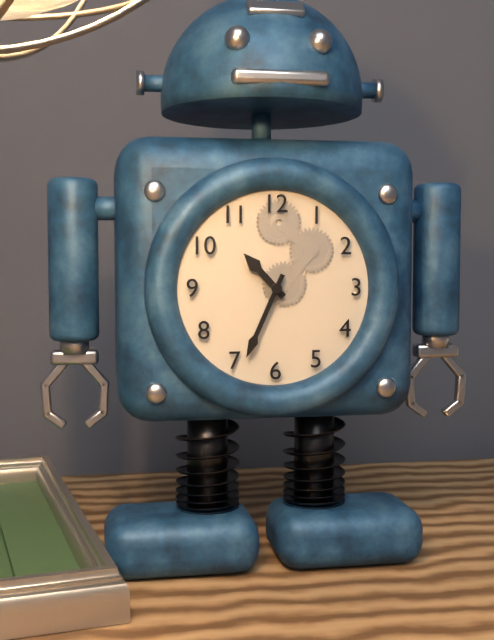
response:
h=10 m=34
